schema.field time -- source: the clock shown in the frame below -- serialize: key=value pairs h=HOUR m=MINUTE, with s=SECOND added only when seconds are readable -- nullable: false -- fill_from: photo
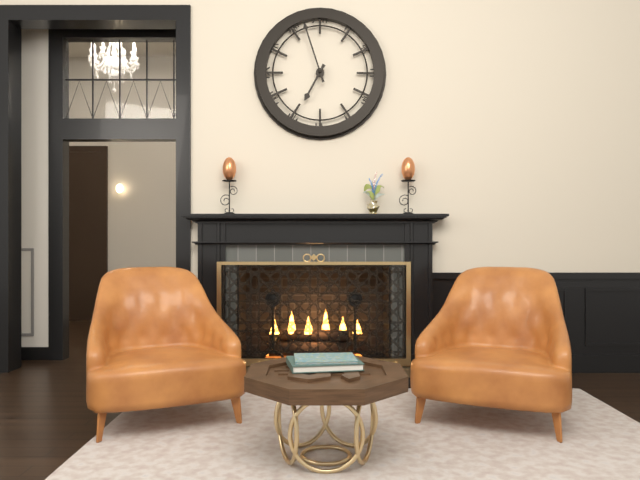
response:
h=6 m=57
